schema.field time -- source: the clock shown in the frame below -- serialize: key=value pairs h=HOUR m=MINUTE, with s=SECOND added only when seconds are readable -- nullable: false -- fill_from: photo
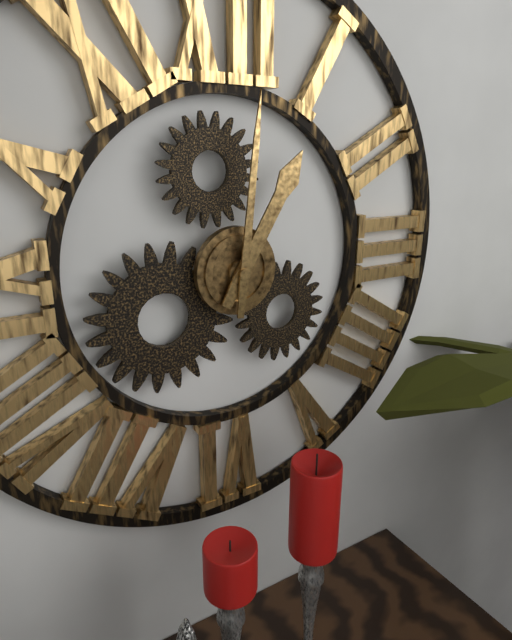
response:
h=1 m=1
